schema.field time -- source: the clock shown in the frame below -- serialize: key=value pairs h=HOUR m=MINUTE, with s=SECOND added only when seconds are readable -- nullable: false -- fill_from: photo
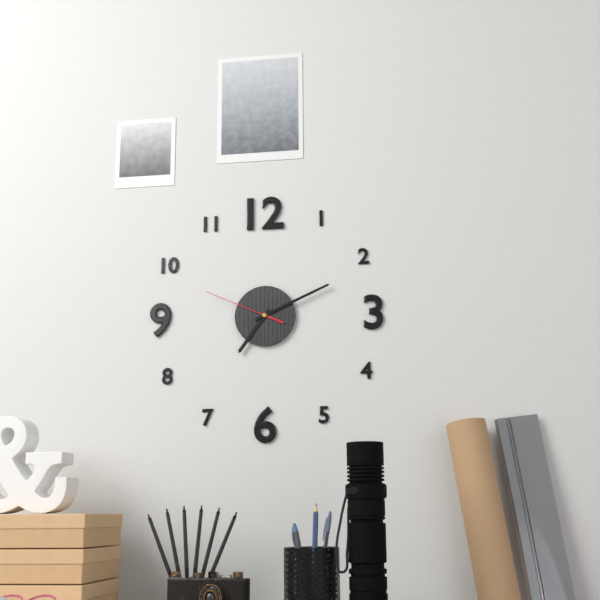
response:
h=7 m=11 s=49
